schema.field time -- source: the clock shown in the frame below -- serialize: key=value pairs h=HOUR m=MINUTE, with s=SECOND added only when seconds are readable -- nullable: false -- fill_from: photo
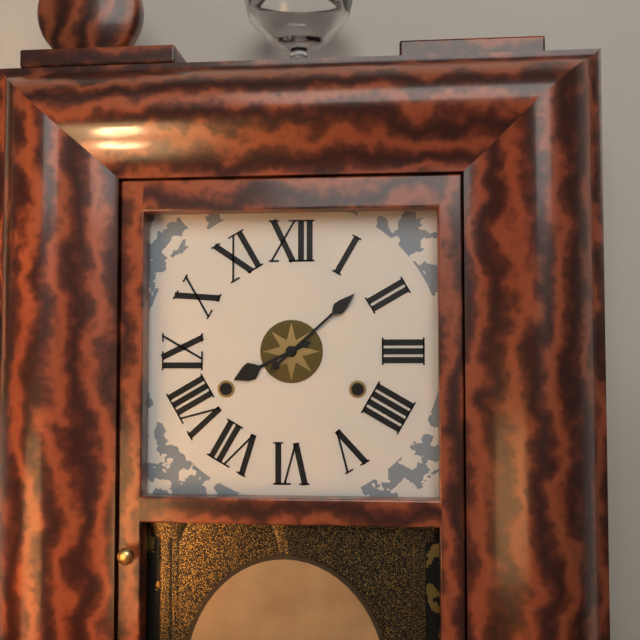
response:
h=8 m=8
